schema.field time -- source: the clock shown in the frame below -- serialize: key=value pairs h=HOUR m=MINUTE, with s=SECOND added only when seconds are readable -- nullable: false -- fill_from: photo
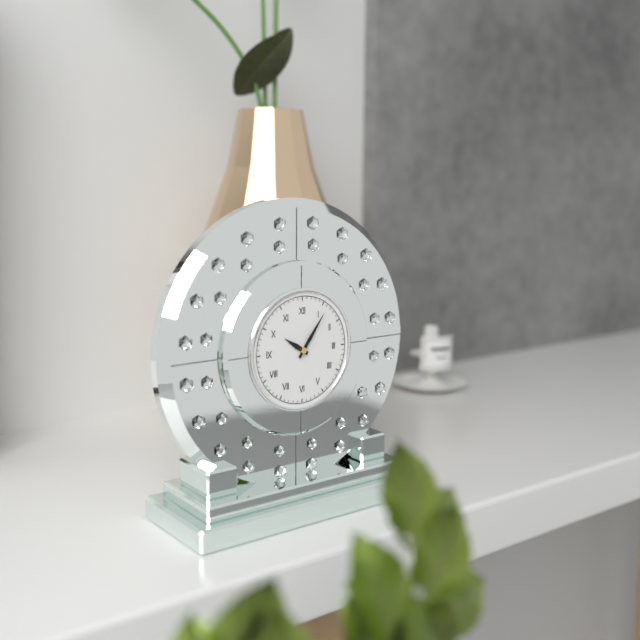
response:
h=10 m=6
